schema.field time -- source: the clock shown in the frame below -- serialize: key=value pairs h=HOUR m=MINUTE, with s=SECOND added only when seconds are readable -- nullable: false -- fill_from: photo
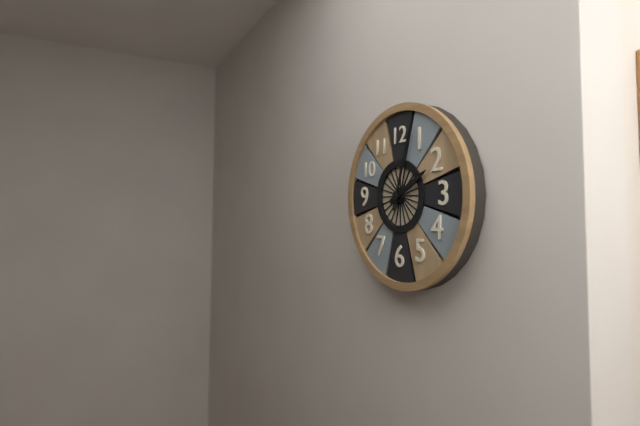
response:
h=2 m=3
